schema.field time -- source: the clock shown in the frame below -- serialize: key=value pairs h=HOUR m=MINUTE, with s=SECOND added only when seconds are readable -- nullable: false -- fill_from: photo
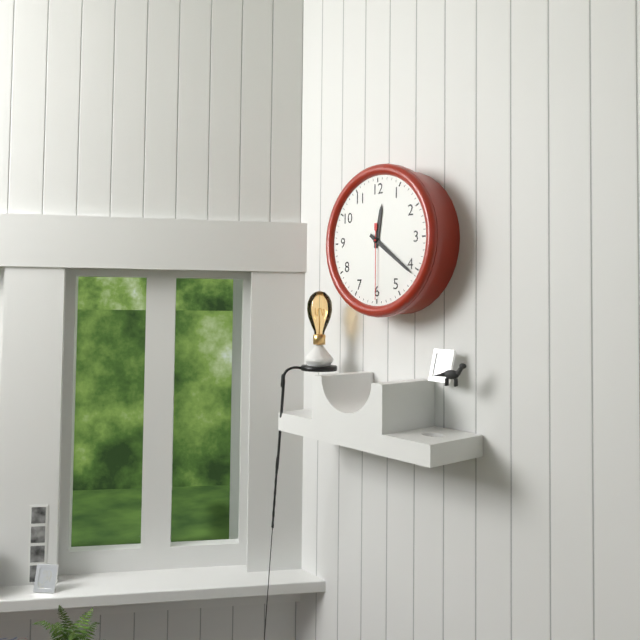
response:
h=12 m=21 s=30
